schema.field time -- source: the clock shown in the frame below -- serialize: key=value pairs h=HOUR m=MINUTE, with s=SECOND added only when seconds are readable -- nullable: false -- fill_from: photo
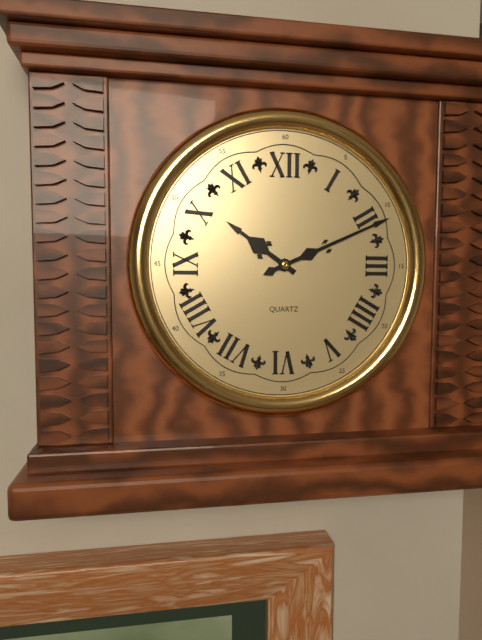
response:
h=10 m=11
